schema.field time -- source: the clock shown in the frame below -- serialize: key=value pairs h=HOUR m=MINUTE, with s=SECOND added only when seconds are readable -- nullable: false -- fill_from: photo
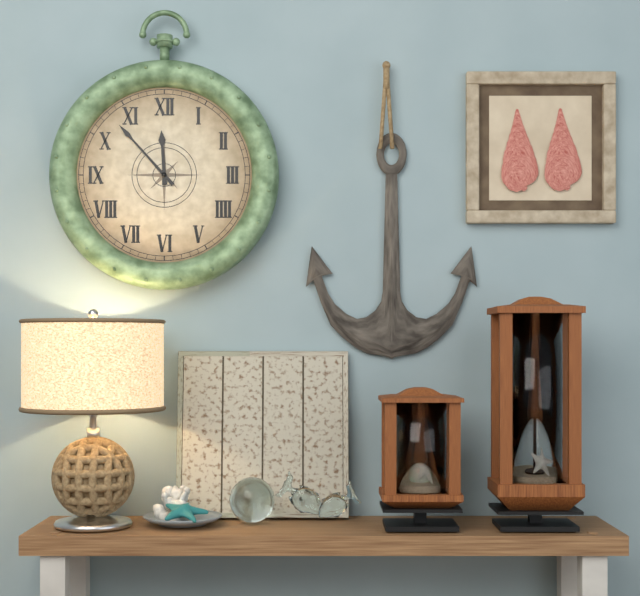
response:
h=11 m=53
